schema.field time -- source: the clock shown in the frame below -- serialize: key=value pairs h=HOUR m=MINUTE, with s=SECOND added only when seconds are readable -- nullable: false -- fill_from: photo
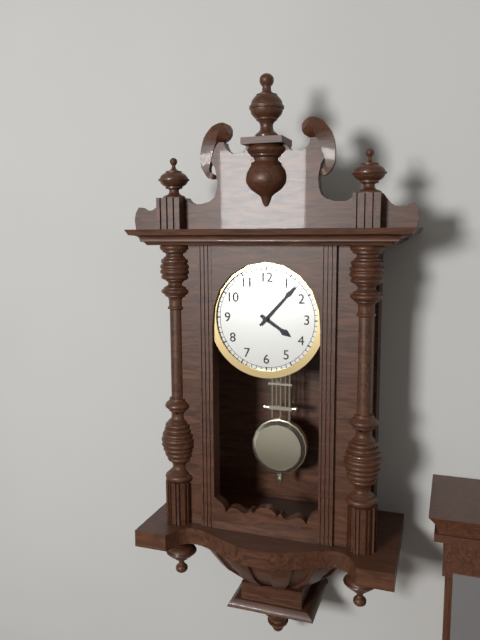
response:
h=4 m=7
